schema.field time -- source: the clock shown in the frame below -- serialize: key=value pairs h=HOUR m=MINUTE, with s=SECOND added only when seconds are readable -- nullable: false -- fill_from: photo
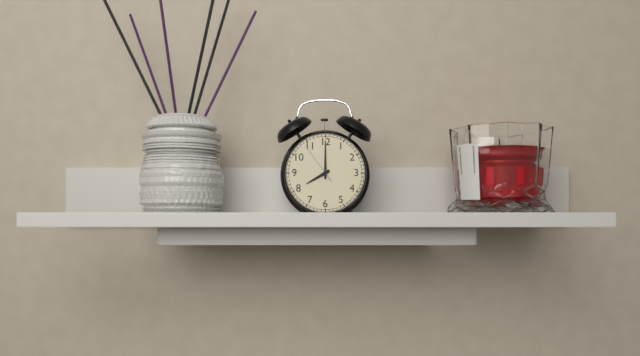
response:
h=8 m=0
